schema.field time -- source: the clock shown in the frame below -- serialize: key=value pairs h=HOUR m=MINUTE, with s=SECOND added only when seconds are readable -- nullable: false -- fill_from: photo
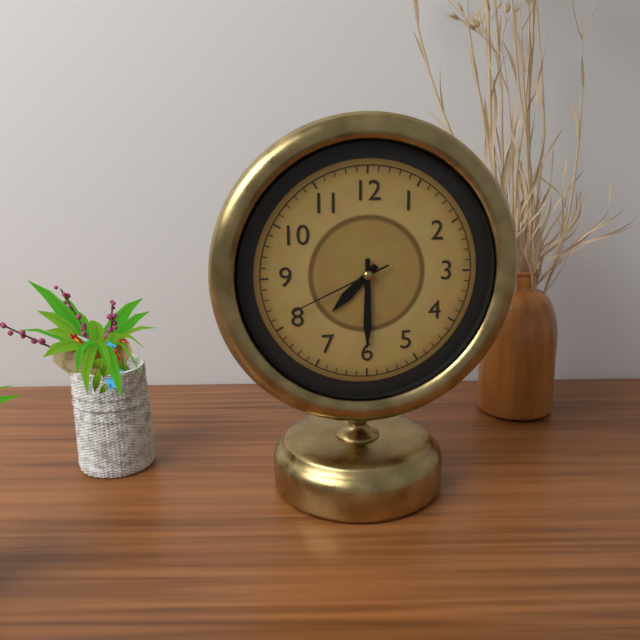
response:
h=7 m=30 s=41
